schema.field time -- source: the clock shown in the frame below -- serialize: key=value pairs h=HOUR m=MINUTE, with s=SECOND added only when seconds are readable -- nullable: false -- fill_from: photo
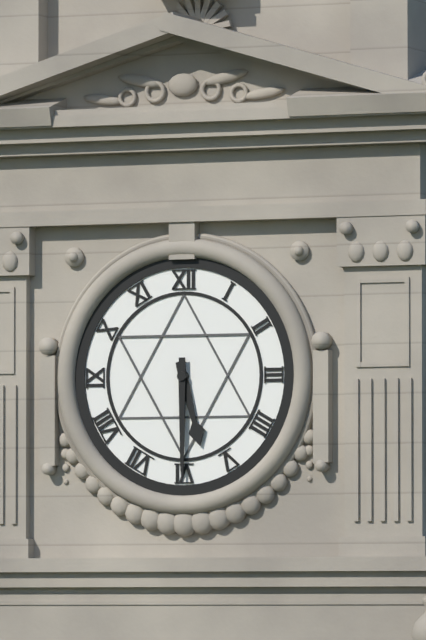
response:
h=5 m=30
